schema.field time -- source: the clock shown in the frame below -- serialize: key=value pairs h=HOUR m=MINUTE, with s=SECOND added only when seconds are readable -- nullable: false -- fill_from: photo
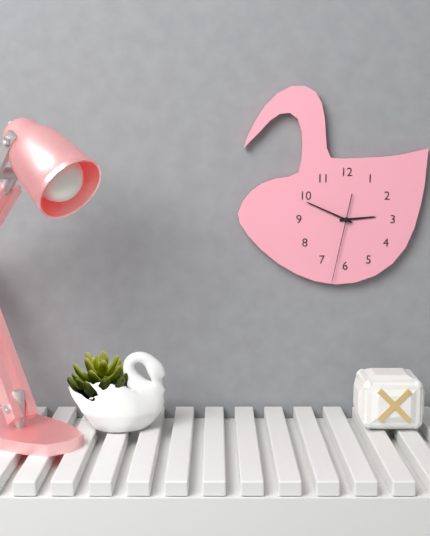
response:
h=2 m=49 s=32
